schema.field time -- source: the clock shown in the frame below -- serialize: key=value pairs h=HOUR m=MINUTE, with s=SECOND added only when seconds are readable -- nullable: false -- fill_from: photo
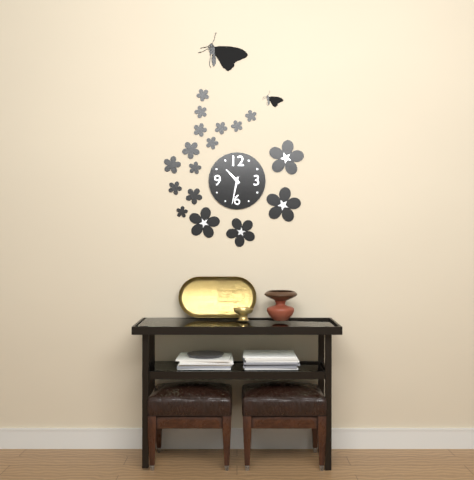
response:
h=10 m=32
